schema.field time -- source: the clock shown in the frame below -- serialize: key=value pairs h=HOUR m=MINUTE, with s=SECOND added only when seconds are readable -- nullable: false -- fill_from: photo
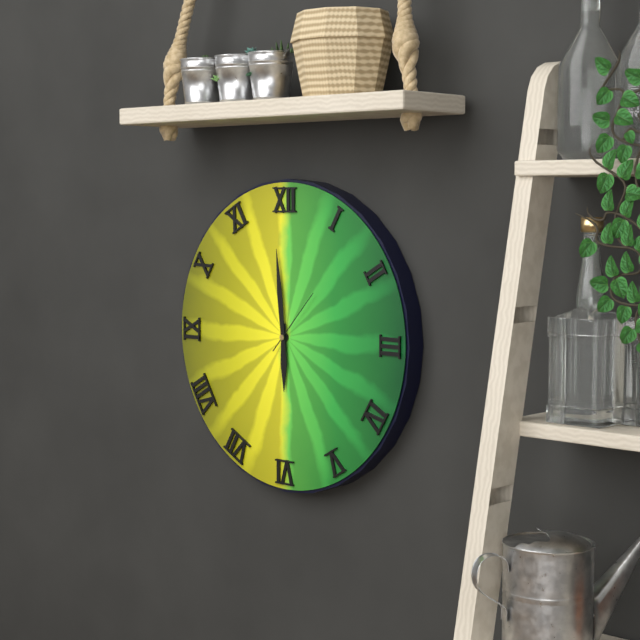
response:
h=5 m=59 s=7
